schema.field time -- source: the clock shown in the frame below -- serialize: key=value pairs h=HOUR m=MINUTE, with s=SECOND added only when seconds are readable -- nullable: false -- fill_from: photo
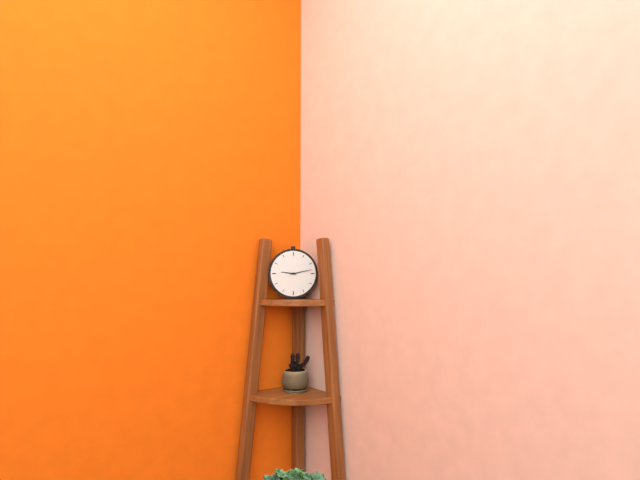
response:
h=9 m=13
